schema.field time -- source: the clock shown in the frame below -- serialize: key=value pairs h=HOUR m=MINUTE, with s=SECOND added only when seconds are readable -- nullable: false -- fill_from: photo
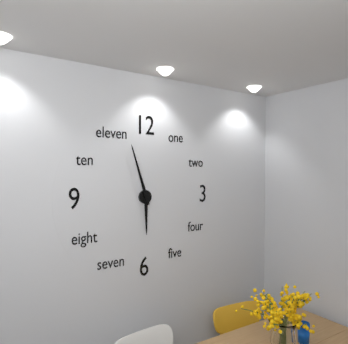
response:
h=5 m=57
